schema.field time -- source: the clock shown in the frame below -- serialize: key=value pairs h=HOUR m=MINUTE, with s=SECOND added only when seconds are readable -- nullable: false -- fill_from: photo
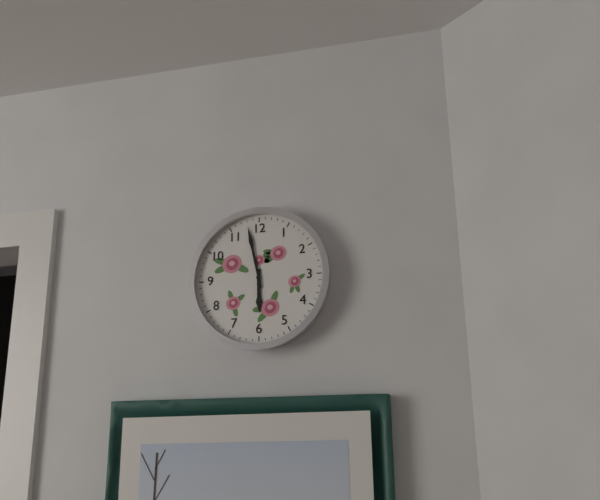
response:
h=5 m=58
